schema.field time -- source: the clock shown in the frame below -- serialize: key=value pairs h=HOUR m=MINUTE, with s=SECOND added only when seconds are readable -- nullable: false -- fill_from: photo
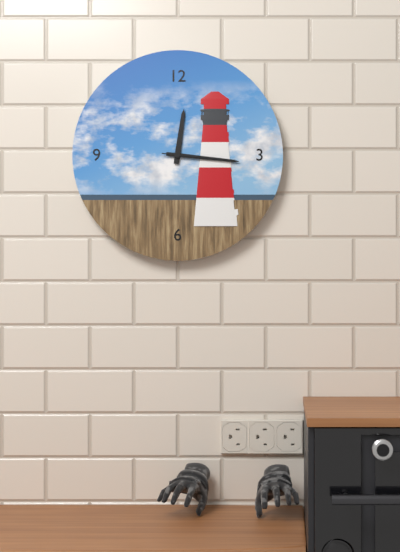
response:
h=12 m=16 s=16
